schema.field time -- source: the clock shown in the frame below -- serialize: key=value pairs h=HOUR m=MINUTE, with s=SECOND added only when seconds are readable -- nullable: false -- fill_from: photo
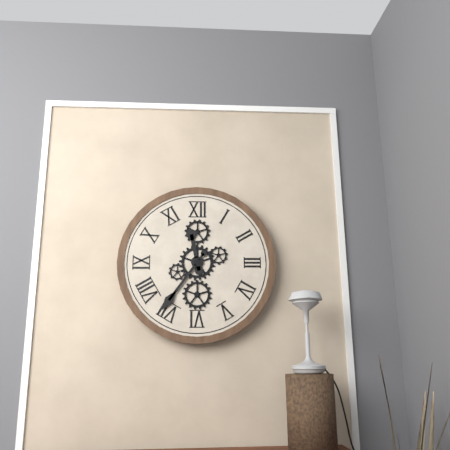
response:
h=11 m=36
